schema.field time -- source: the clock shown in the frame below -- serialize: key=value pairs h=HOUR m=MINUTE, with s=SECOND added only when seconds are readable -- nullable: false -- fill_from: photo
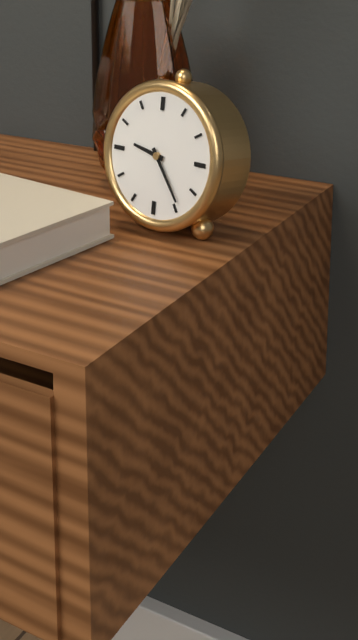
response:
h=9 m=24
